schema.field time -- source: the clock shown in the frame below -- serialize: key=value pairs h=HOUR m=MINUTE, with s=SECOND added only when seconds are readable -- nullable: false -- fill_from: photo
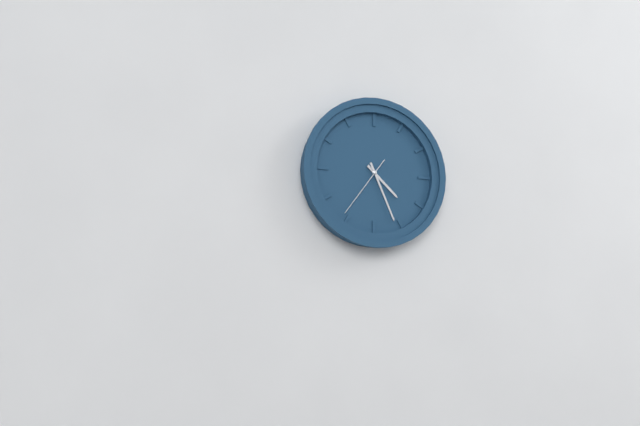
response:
h=4 m=26 s=36
